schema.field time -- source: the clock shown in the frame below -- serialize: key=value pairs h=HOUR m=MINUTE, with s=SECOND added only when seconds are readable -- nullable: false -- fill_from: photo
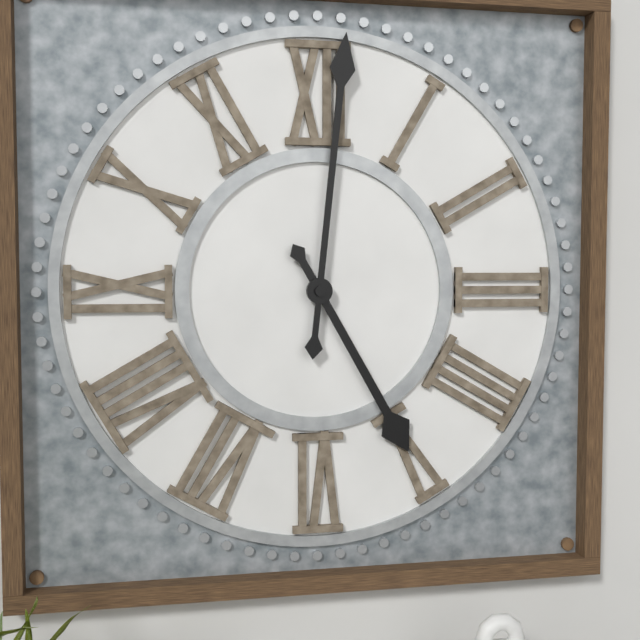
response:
h=5 m=1
